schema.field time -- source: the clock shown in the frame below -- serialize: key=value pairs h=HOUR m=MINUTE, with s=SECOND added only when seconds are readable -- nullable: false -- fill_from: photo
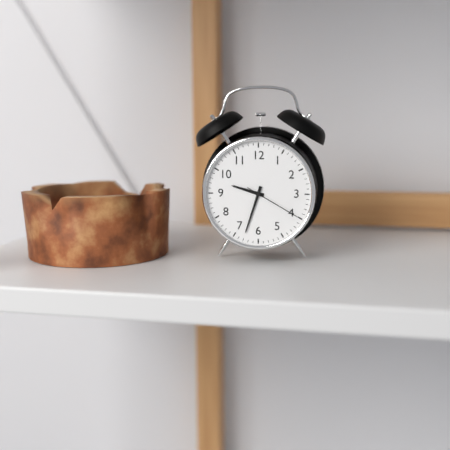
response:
h=9 m=33 s=20
